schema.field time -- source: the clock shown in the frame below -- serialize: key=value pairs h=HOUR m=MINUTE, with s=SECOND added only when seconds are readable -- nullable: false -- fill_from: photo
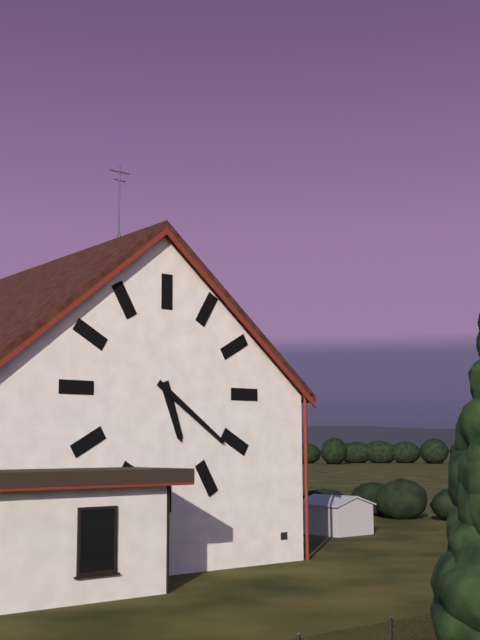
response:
h=5 m=21
